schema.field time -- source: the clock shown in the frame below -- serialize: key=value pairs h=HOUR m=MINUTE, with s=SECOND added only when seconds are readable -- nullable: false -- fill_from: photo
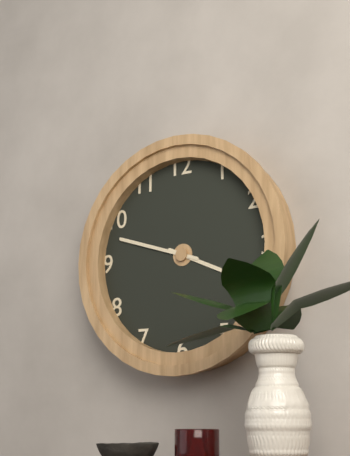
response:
h=3 m=48
